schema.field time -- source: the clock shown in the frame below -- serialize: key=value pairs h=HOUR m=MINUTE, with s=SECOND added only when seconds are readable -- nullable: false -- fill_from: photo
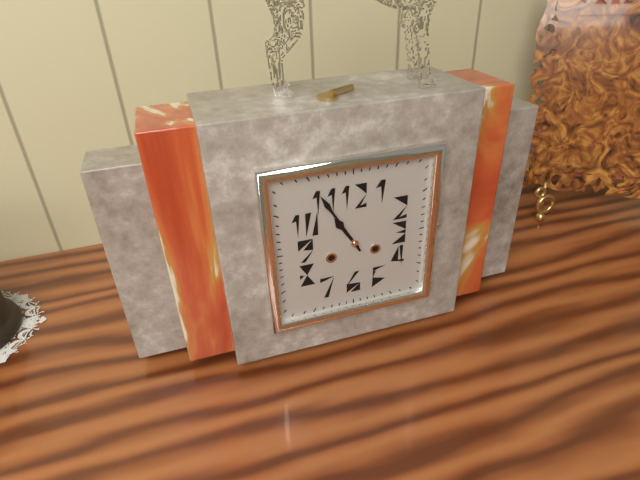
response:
h=10 m=55
